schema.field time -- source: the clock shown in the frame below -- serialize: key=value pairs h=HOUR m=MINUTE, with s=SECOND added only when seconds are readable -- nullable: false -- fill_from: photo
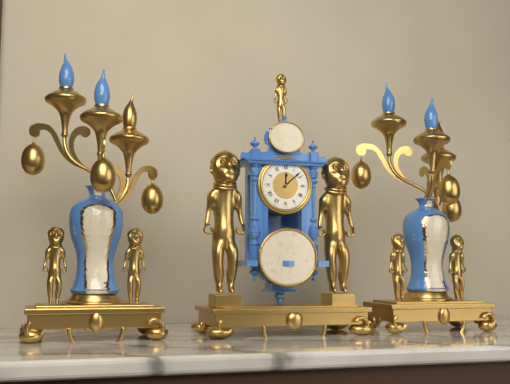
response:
h=12 m=8
